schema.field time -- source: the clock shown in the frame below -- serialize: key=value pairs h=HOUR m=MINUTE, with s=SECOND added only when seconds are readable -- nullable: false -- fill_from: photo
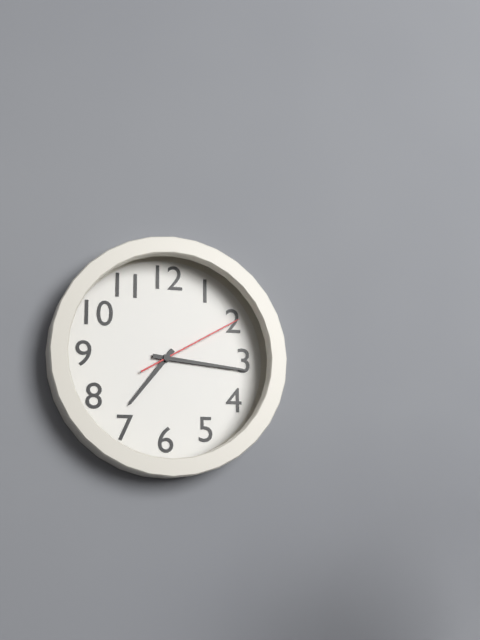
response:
h=7 m=16 s=10
